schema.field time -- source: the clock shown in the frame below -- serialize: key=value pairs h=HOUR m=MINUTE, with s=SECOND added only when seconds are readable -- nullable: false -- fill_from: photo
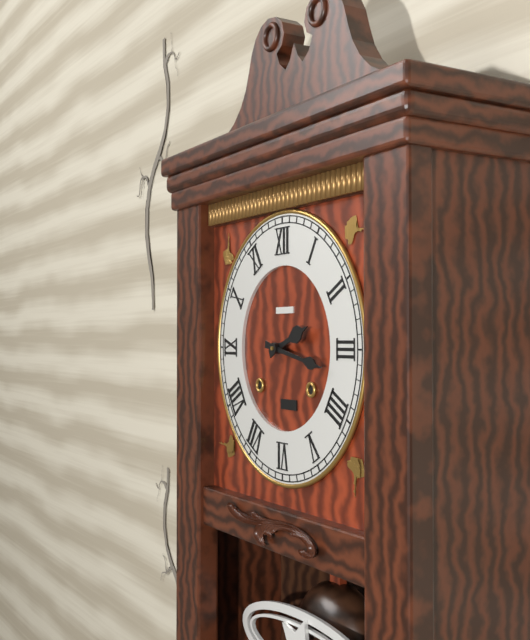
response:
h=2 m=17
